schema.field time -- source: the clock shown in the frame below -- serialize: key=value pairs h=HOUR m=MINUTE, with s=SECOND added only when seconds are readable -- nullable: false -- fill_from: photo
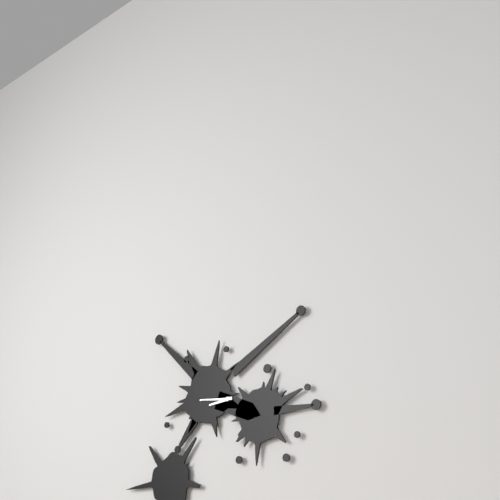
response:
h=8 m=46
